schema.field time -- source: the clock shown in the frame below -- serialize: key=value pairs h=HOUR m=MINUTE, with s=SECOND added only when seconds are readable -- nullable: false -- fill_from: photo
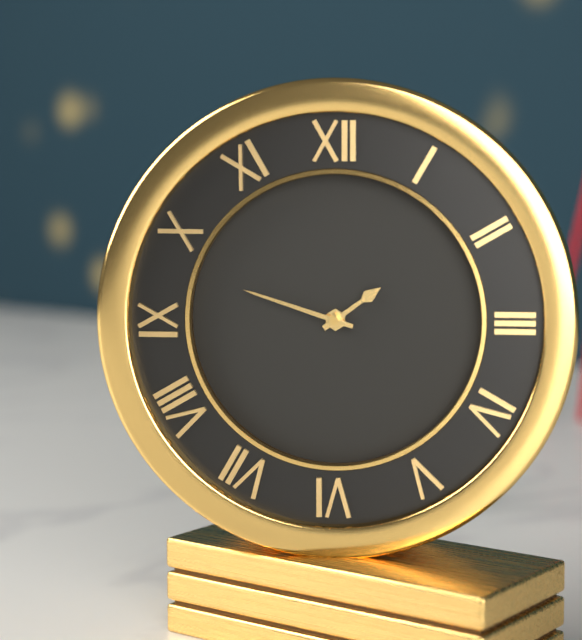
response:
h=1 m=48
